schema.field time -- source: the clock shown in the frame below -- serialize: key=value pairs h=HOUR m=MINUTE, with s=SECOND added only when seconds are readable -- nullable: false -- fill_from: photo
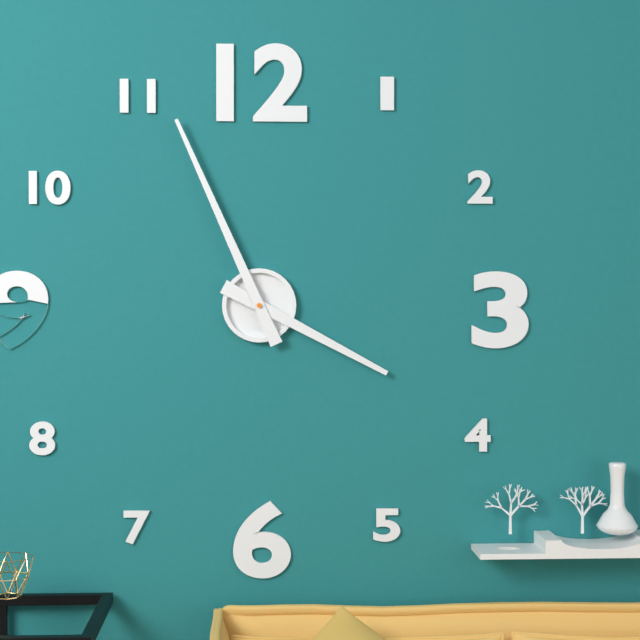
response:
h=3 m=56
